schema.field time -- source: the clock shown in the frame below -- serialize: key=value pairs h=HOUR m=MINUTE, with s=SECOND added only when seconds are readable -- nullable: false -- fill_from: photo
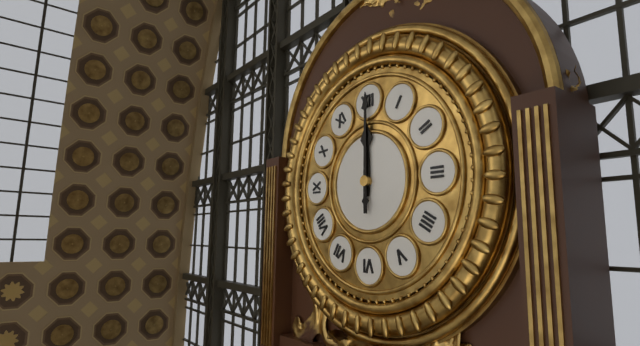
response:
h=12 m=0
